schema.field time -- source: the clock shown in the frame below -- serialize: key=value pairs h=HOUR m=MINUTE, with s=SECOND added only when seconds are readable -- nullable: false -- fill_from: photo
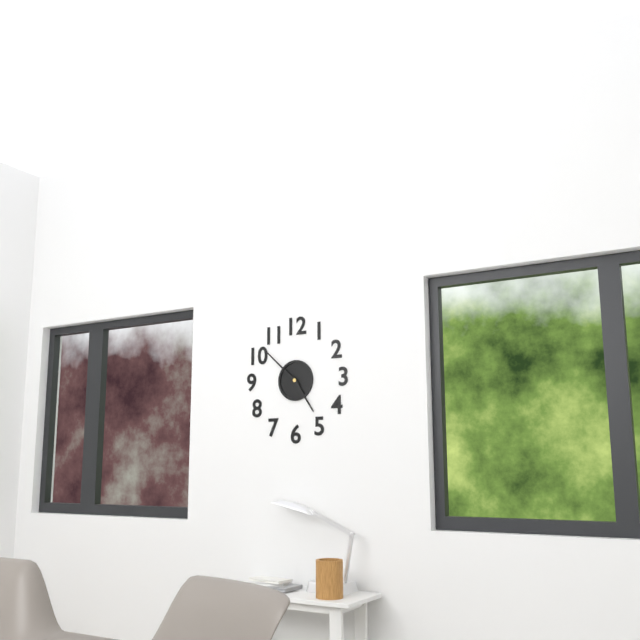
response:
h=4 m=52
